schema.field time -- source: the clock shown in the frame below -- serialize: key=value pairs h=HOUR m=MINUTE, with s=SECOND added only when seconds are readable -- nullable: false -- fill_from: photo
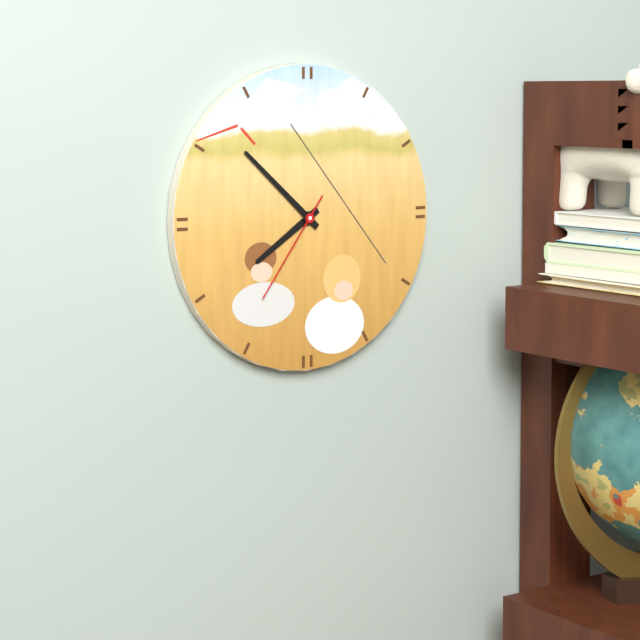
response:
h=7 m=52 s=36
